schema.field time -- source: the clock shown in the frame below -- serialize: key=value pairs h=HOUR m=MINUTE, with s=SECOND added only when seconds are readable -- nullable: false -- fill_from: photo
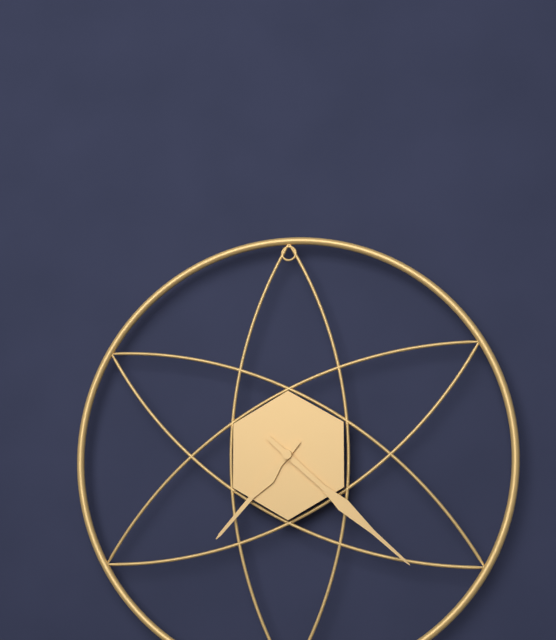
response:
h=7 m=22
